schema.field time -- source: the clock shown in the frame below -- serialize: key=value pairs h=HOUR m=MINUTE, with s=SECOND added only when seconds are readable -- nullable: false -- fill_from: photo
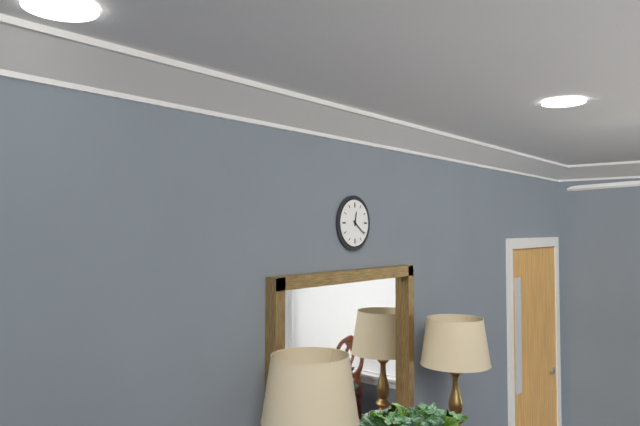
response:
h=12 m=21
